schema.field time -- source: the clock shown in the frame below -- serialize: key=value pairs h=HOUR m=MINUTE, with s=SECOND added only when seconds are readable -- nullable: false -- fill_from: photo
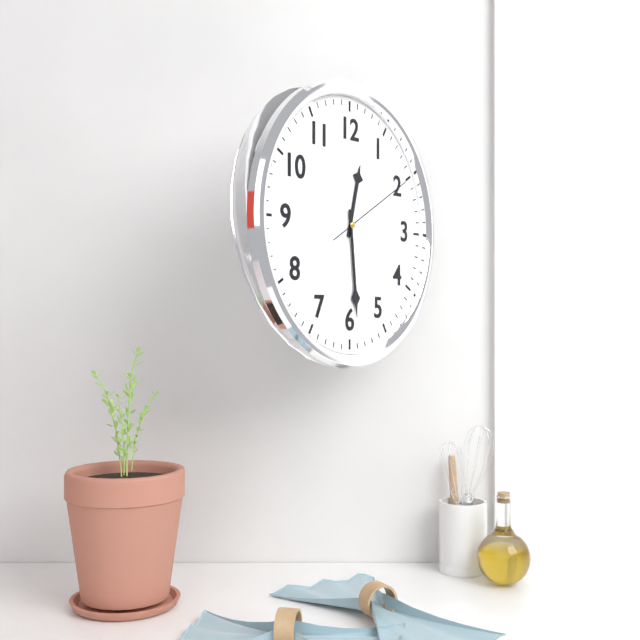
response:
h=12 m=29 s=10
